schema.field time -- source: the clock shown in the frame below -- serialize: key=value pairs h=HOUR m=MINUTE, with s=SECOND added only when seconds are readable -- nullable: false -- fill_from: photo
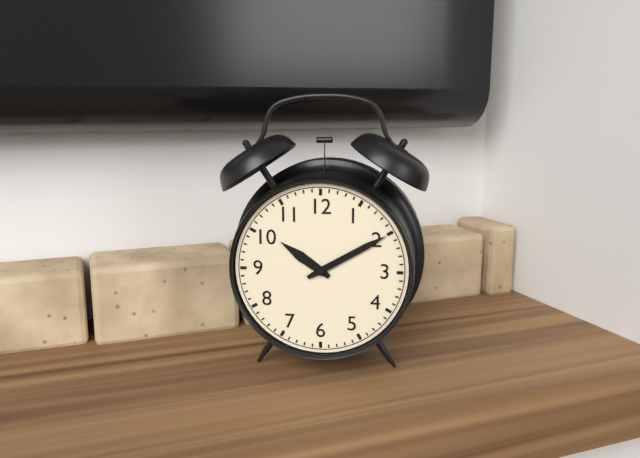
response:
h=10 m=10
